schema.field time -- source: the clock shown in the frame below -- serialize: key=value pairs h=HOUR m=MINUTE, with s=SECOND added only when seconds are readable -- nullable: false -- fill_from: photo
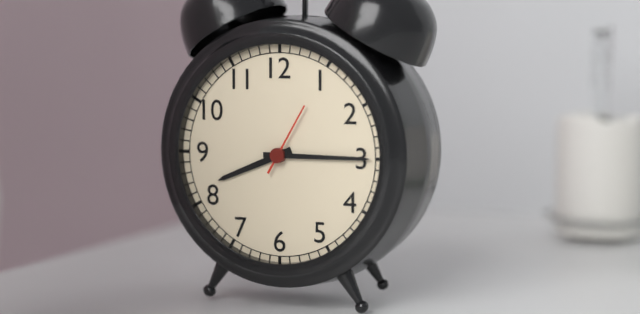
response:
h=8 m=15 s=5
